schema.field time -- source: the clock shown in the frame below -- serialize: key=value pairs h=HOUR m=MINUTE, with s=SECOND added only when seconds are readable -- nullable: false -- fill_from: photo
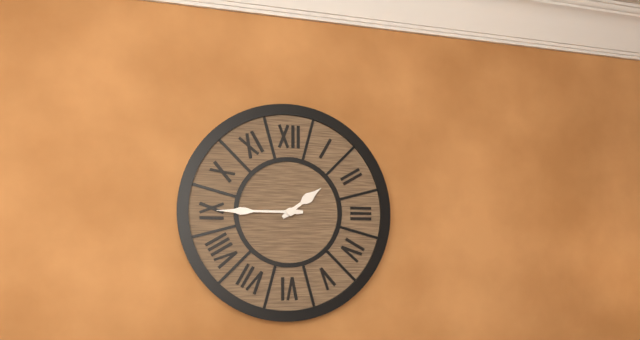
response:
h=1 m=45
